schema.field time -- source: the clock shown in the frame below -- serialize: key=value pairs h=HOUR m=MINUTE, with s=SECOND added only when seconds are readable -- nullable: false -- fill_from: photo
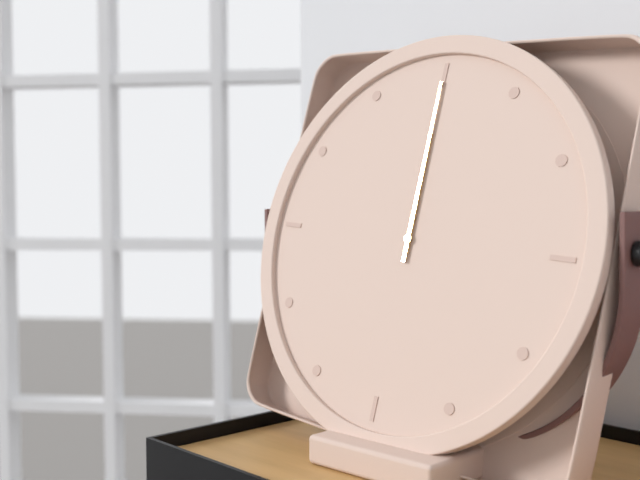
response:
h=12 m=0
